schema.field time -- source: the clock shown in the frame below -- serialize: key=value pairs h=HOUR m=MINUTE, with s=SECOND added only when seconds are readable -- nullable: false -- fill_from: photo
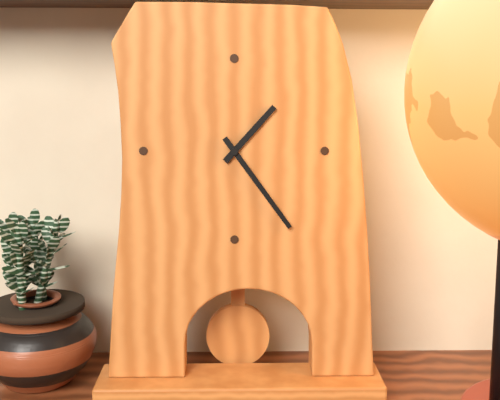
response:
h=1 m=24
